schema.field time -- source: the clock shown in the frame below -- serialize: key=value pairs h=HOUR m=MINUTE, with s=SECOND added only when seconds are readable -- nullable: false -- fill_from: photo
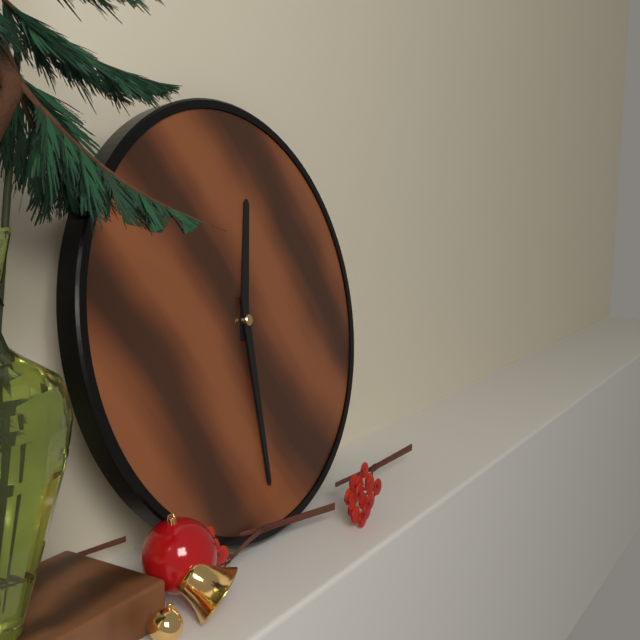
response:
h=12 m=30
